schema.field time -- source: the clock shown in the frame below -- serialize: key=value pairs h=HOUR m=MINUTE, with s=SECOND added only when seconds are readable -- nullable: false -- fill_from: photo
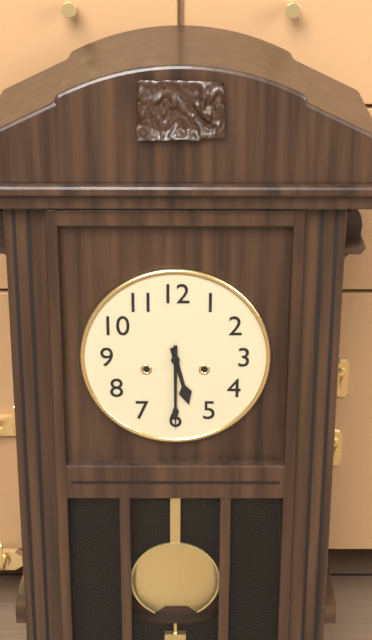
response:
h=5 m=30
